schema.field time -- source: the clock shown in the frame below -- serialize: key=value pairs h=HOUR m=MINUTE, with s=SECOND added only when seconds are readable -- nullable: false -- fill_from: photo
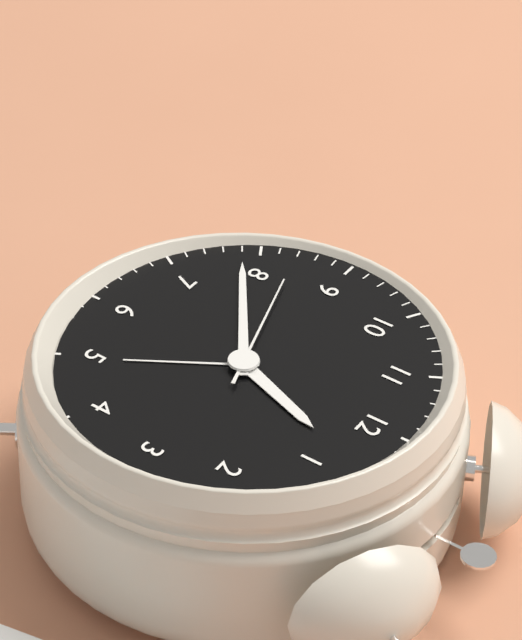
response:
h=12 m=39 s=42
